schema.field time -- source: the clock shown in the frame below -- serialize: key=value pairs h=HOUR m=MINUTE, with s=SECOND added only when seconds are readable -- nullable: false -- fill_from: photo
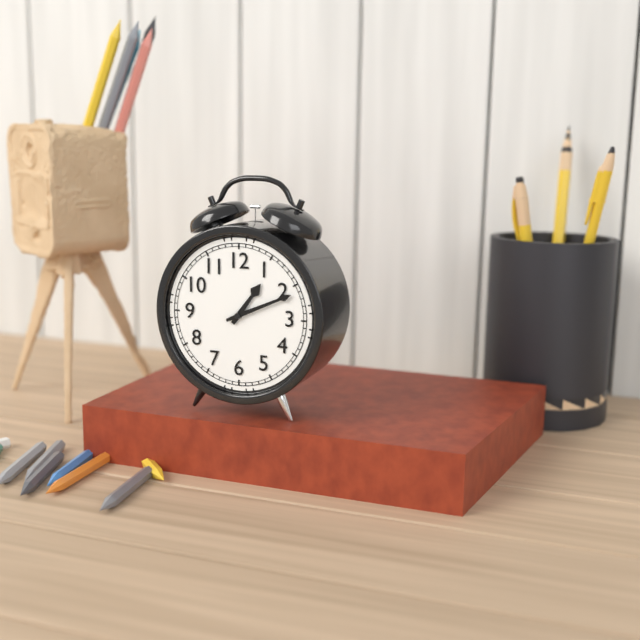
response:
h=1 m=11
